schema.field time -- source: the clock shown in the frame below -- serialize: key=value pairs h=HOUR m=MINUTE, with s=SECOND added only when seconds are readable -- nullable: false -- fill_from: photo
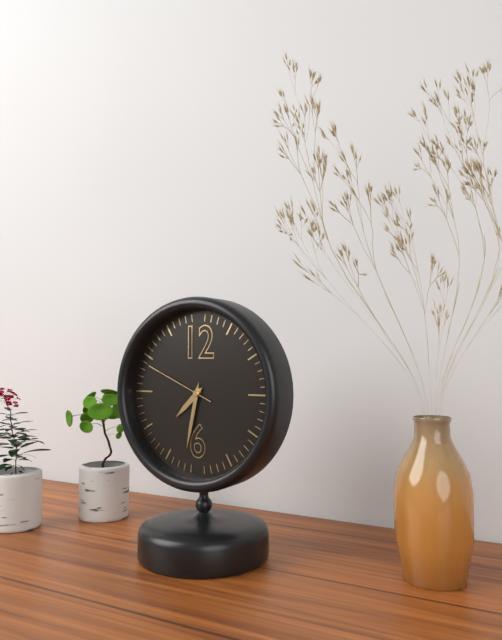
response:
h=7 m=32 s=49
